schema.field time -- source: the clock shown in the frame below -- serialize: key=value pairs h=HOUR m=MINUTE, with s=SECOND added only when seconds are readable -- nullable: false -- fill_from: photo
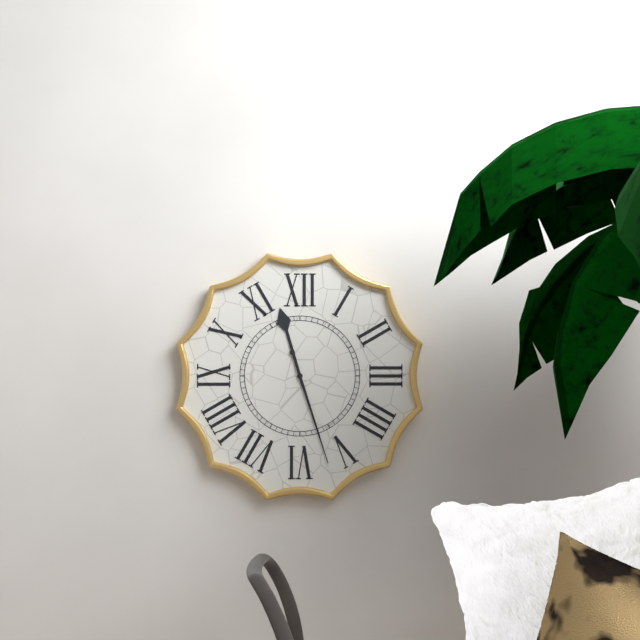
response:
h=11 m=27
